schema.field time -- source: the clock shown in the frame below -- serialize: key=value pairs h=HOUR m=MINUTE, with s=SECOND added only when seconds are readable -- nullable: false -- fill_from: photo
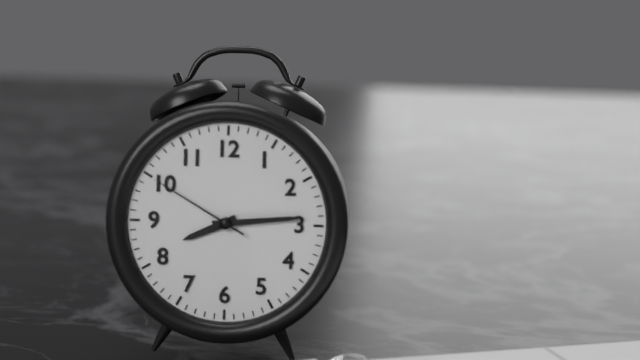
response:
h=8 m=14 s=50
